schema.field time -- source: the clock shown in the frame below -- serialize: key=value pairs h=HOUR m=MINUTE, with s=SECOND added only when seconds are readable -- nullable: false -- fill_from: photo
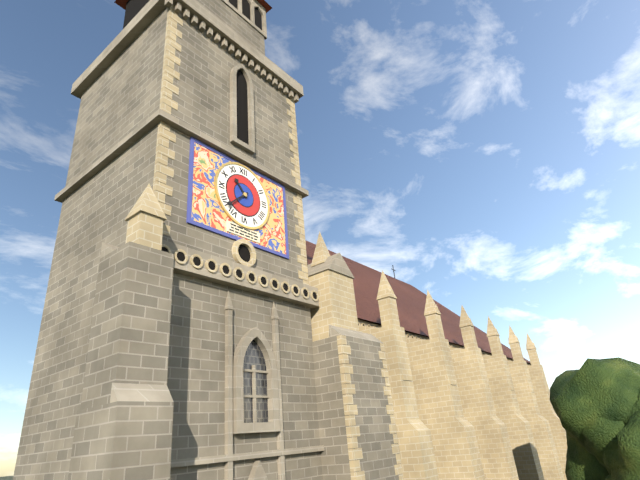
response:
h=10 m=38
